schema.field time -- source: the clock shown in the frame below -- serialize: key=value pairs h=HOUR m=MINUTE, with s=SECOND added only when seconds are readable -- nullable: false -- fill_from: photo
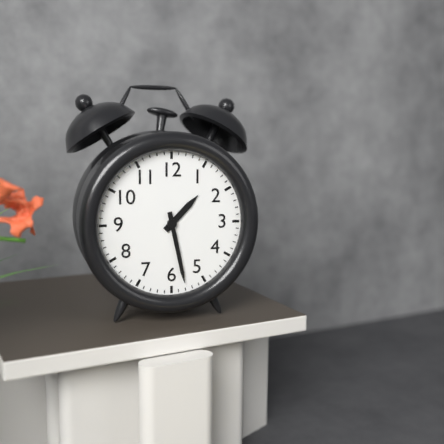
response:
h=1 m=28
